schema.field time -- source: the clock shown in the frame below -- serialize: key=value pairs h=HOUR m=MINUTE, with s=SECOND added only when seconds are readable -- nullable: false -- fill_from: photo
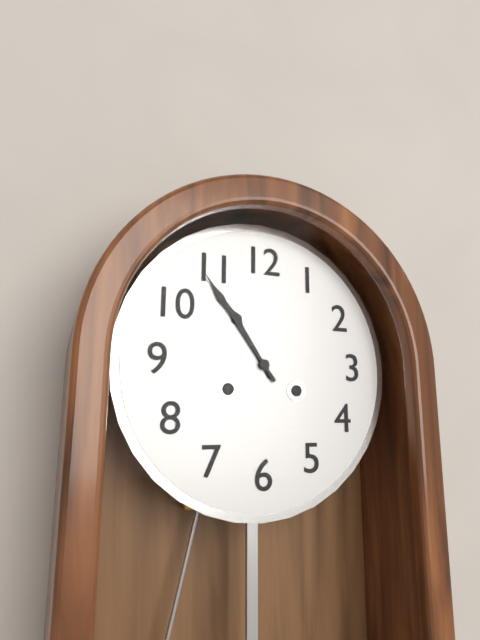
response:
h=10 m=54
